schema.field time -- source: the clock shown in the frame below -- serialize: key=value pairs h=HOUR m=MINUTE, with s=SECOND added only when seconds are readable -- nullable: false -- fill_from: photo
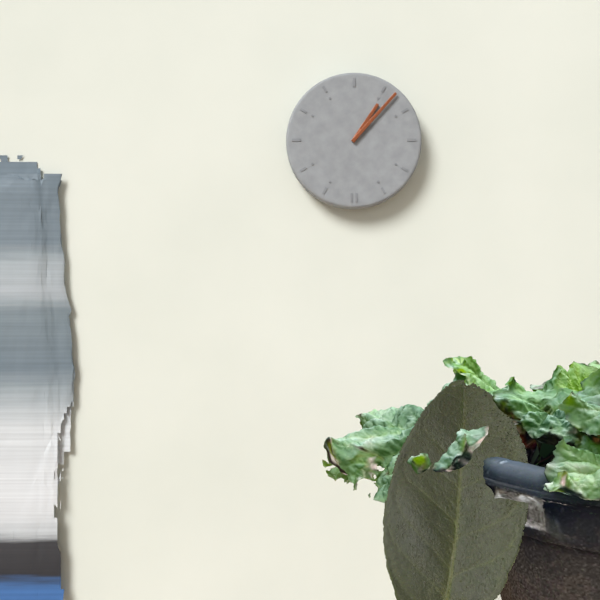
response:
h=1 m=7
